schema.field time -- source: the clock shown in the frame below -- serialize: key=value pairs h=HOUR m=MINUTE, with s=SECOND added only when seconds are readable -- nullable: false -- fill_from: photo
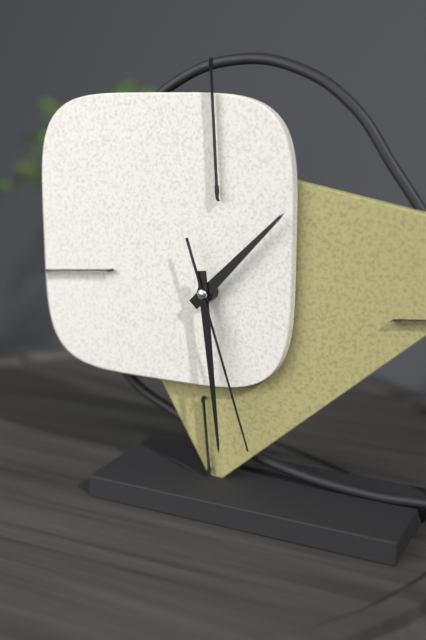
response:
h=1 m=29 s=27
